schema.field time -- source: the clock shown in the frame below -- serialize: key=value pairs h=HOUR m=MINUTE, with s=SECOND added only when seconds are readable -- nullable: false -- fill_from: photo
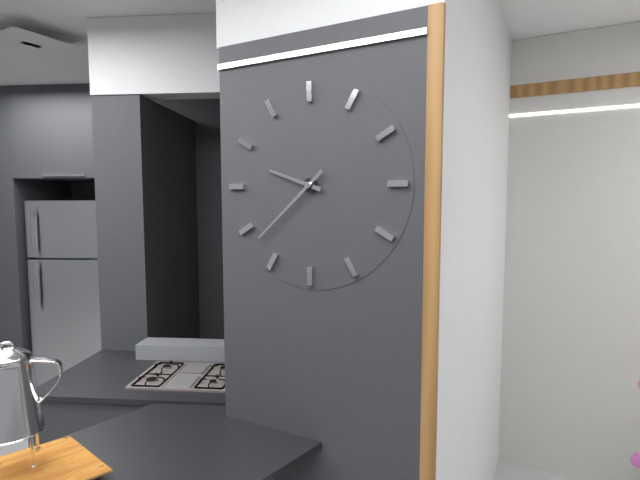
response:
h=9 m=38
